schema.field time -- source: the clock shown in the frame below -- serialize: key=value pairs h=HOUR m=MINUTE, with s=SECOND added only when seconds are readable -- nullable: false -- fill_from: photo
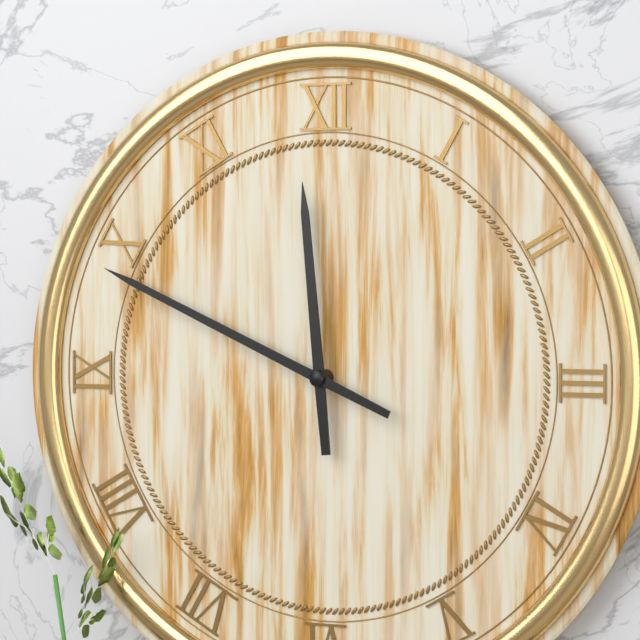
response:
h=11 m=49
